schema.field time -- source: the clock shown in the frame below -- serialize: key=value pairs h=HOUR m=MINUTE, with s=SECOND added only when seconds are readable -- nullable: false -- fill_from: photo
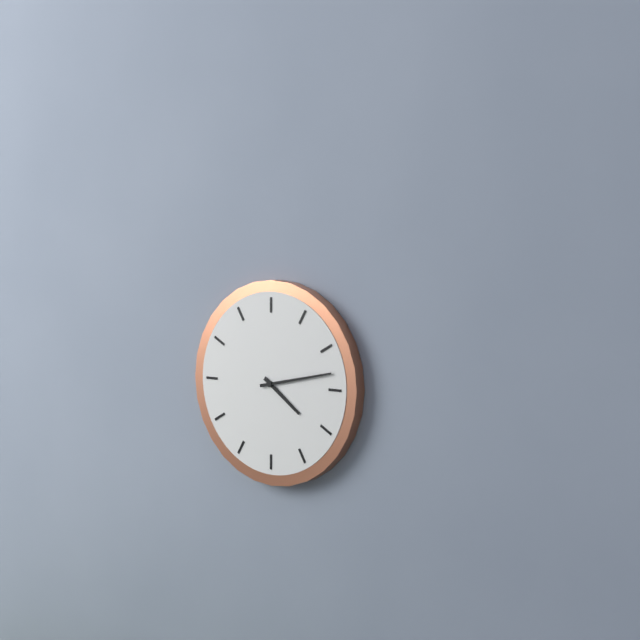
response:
h=4 m=13
